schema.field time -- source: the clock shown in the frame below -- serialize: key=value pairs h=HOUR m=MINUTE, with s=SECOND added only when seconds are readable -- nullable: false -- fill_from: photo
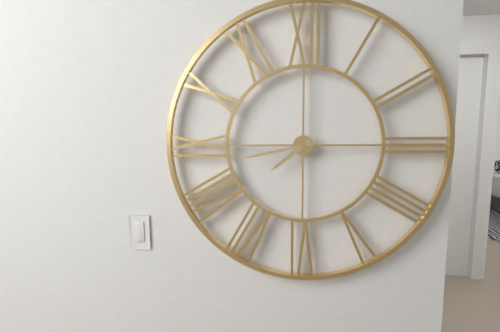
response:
h=7 m=43
